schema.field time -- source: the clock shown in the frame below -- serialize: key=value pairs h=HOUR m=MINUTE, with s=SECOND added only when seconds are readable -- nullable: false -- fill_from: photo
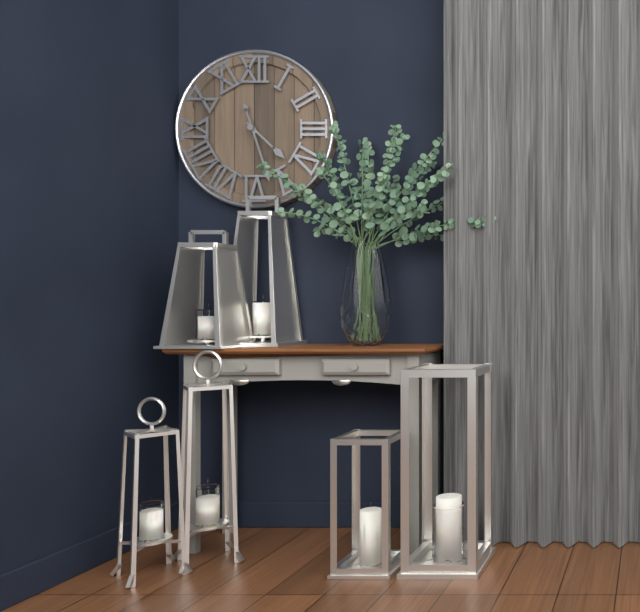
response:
h=4 m=27
